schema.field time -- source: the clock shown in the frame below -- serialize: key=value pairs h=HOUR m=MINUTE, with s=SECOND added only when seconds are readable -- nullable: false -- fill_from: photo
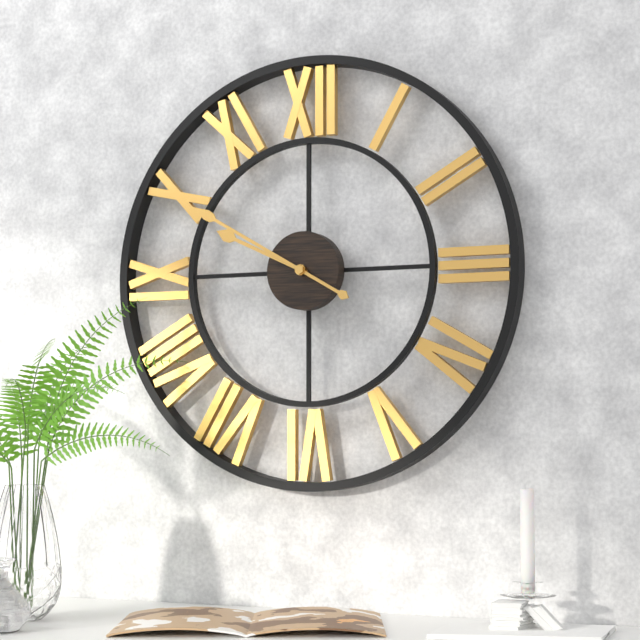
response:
h=9 m=50
